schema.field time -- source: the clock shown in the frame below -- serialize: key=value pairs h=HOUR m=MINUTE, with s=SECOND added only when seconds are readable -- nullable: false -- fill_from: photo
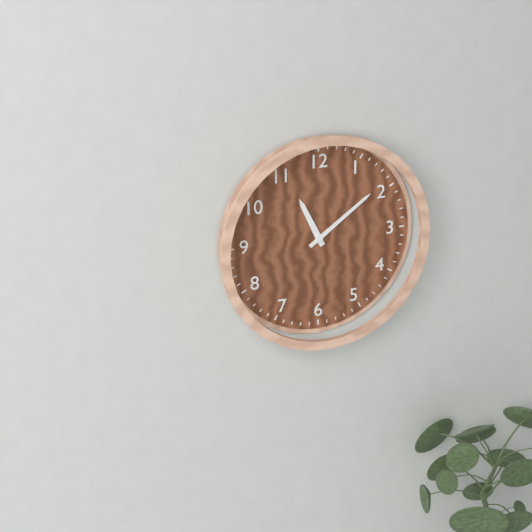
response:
h=11 m=9
